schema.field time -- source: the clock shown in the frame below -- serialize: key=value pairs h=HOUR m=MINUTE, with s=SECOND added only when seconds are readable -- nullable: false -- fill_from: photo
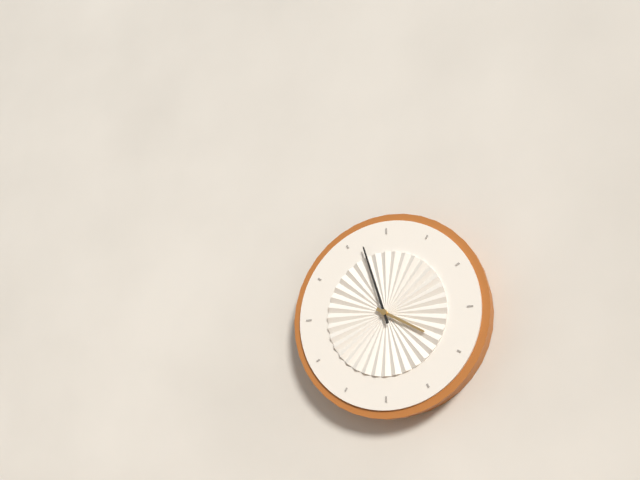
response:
h=3 m=57
